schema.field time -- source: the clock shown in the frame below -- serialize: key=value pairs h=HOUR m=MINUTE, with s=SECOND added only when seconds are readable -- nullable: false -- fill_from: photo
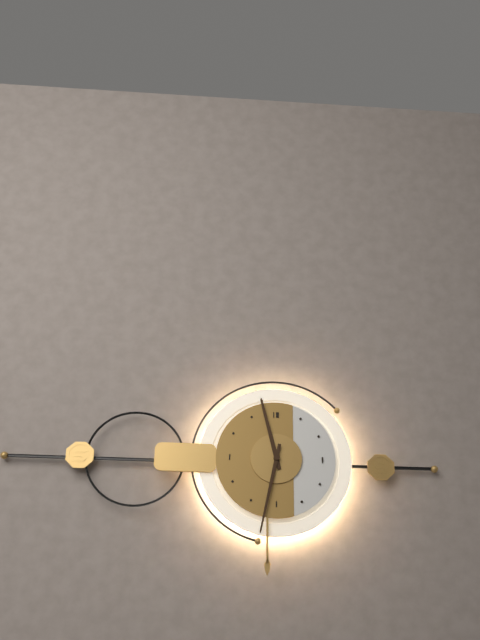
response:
h=11 m=32
